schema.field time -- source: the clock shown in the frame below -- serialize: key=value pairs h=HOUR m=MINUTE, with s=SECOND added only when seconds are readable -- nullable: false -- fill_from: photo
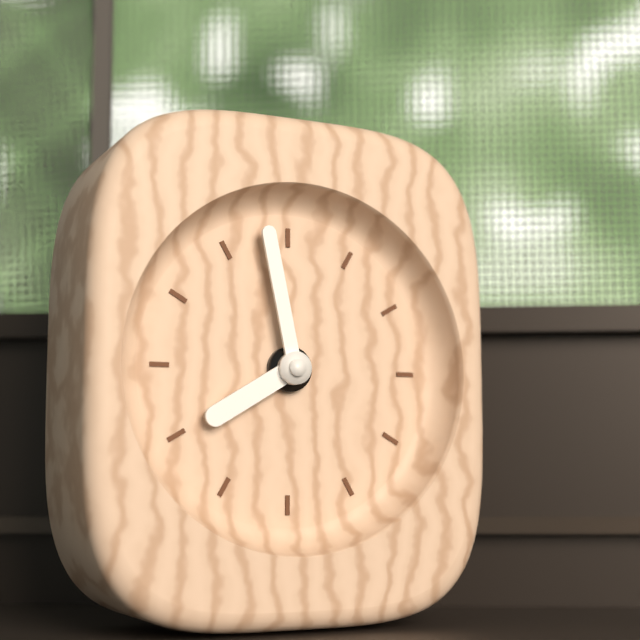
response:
h=7 m=58
